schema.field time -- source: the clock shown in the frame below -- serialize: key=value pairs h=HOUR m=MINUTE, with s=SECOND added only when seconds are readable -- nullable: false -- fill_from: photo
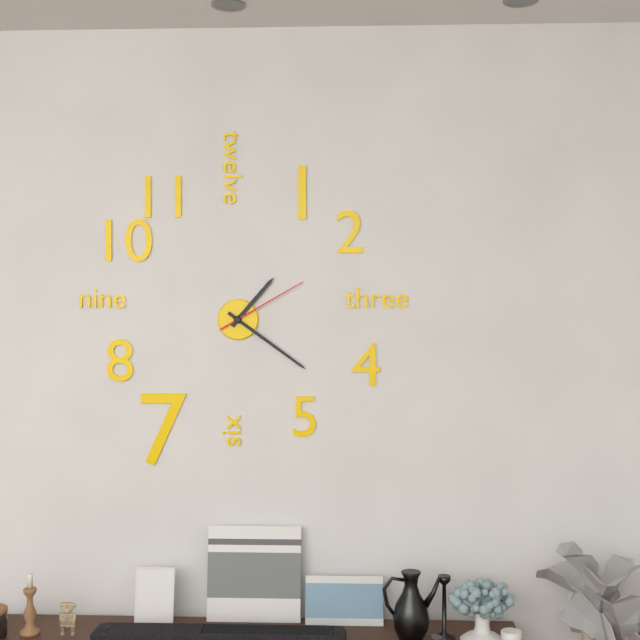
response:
h=1 m=21 s=10
